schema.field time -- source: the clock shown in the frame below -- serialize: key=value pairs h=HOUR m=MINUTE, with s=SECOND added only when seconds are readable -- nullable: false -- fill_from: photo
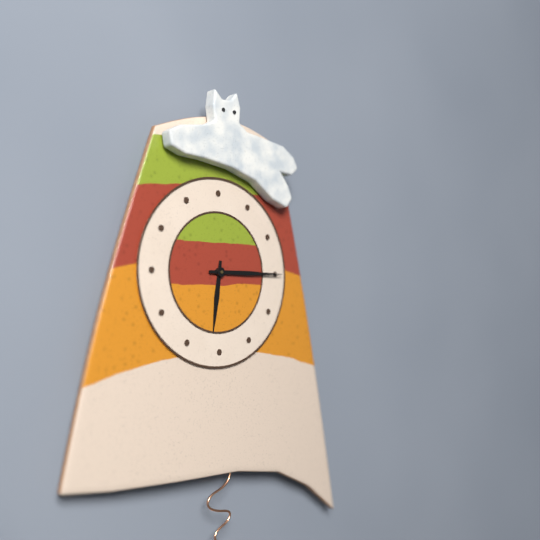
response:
h=6 m=15
